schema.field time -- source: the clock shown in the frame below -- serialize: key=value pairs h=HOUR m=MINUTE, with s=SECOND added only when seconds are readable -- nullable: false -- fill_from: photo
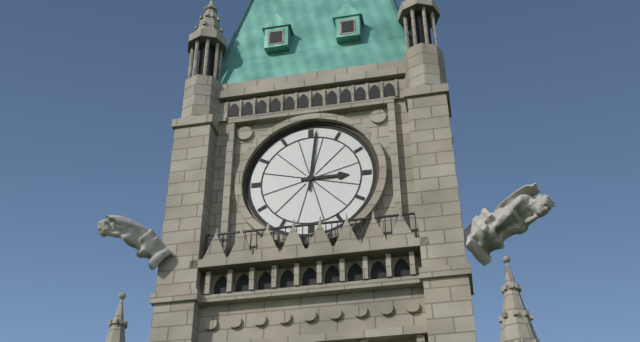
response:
h=3 m=1
